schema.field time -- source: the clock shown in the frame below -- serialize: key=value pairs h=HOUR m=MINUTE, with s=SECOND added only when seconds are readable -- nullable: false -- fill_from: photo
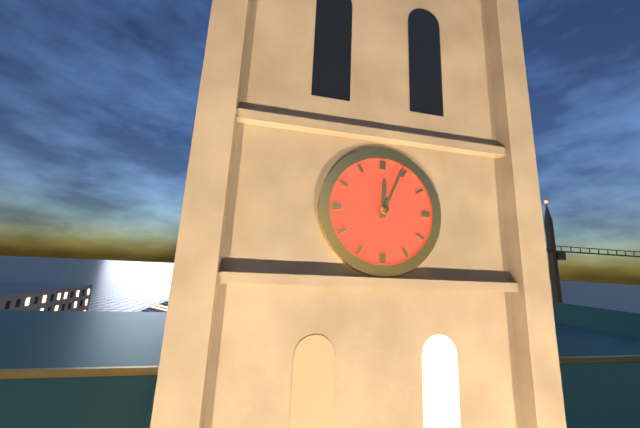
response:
h=12 m=4
